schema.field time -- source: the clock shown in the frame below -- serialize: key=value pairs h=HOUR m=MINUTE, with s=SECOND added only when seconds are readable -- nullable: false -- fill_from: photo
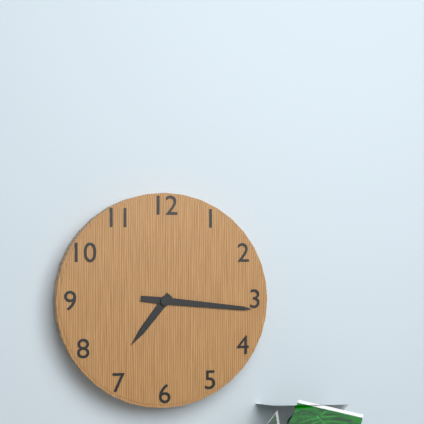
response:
h=7 m=16
